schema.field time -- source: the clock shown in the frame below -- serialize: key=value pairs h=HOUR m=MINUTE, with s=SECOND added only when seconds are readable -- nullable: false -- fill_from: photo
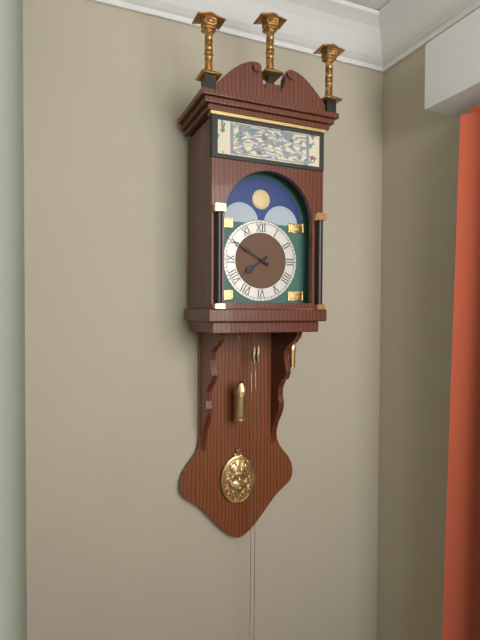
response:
h=7 m=50
